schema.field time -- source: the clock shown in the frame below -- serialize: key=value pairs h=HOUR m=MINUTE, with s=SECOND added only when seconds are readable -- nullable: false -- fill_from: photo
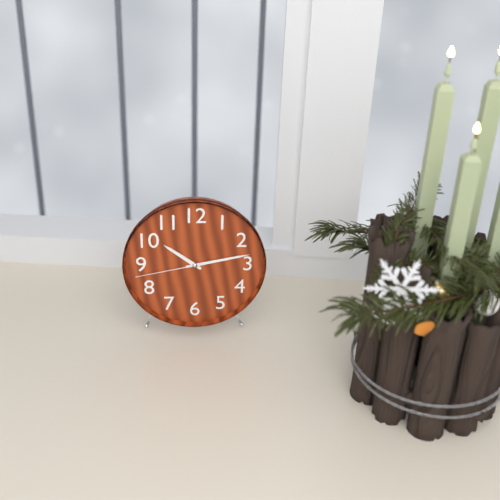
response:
h=10 m=13 s=43
